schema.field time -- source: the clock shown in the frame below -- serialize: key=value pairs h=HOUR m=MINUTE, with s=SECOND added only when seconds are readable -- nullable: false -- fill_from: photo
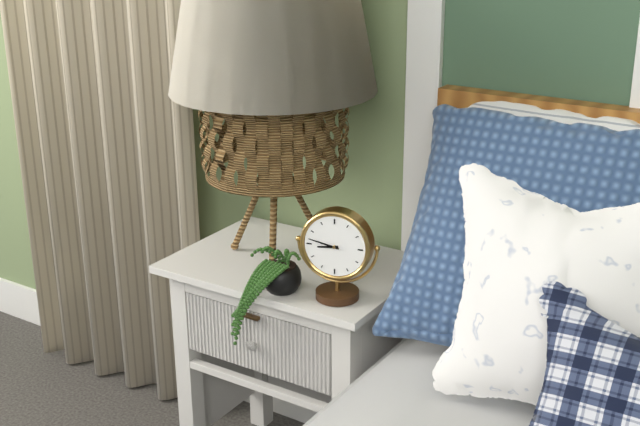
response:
h=8 m=47
